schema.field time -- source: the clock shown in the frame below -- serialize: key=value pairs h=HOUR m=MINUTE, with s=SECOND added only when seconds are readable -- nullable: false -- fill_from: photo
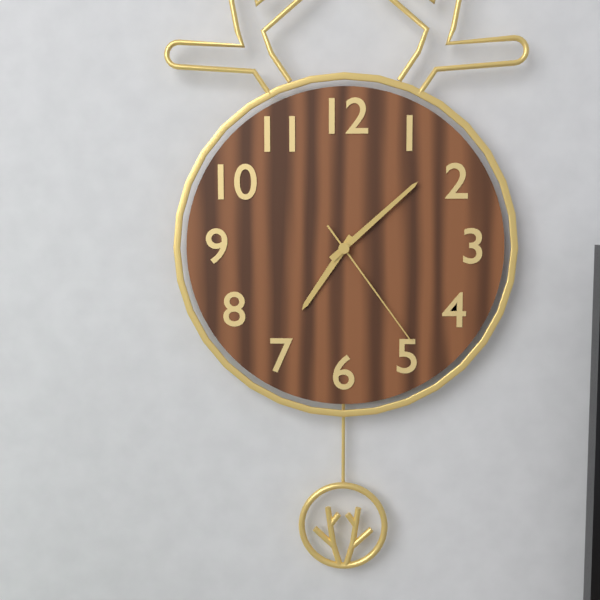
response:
h=7 m=8 s=24
